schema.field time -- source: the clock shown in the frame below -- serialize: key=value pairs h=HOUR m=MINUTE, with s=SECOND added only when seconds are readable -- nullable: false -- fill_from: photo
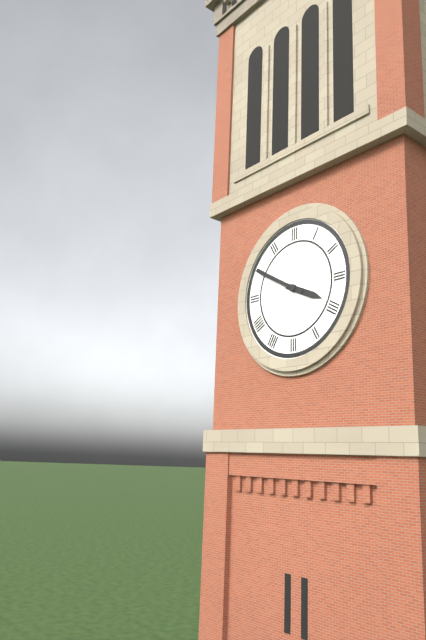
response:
h=3 m=50
